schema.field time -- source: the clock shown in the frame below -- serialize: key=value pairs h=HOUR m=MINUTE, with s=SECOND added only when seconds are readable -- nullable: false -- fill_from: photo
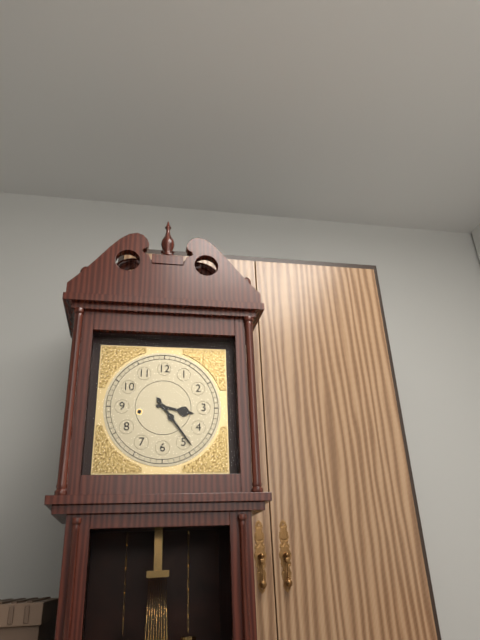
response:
h=3 m=24
